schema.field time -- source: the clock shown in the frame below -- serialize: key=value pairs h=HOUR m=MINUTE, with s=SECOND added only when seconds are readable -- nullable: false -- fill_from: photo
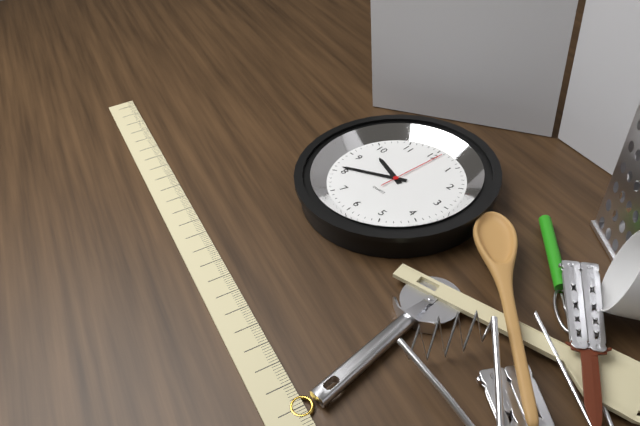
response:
h=9 m=41 s=1
